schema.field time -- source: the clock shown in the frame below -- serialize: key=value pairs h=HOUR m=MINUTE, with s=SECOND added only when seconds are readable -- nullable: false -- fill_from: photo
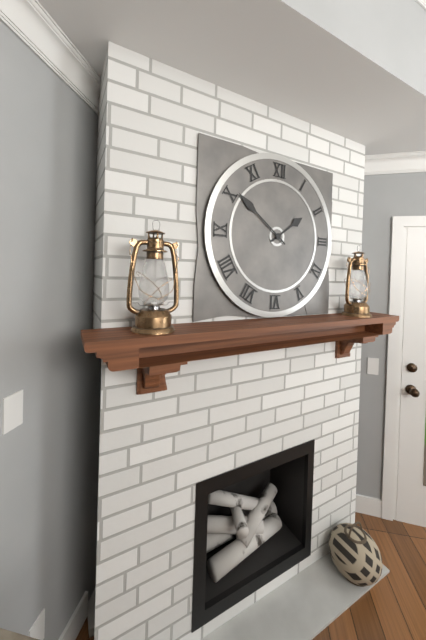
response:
h=1 m=51
